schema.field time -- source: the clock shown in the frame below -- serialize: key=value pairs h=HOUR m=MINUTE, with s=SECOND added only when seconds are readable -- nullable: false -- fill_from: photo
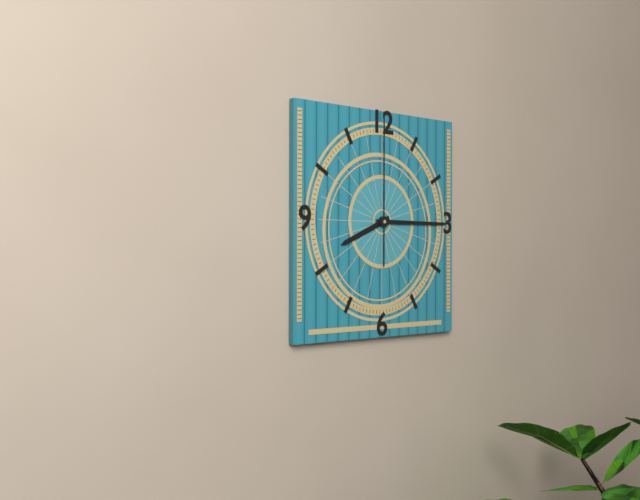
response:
h=8 m=15 s=0
